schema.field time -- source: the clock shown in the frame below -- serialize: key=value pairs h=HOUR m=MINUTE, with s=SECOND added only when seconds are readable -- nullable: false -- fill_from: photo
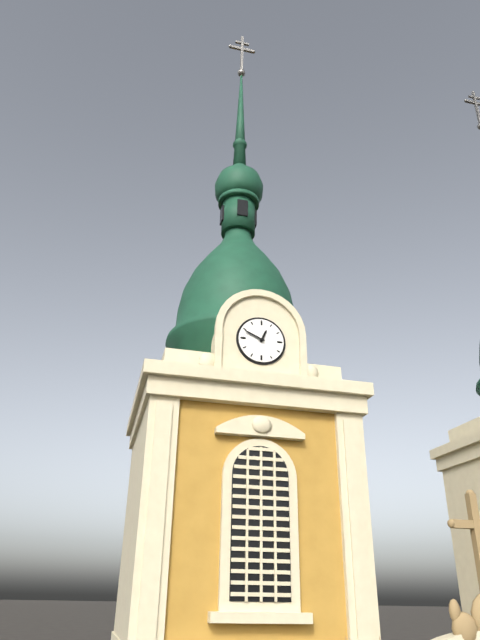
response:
h=12 m=49
